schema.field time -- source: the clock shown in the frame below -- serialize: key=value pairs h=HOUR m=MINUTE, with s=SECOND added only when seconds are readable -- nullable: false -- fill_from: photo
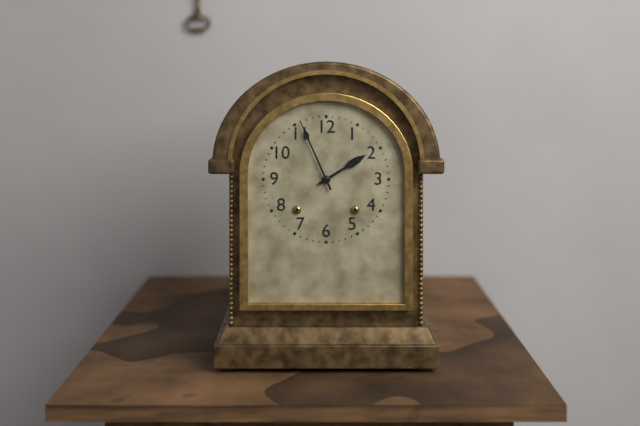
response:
h=1 m=56
